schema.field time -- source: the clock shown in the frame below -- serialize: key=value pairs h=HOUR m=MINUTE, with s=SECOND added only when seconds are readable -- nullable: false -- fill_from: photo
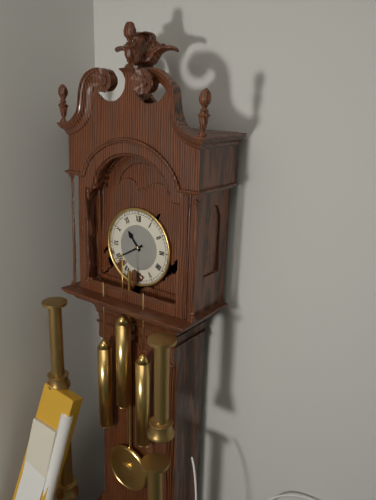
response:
h=10 m=40
